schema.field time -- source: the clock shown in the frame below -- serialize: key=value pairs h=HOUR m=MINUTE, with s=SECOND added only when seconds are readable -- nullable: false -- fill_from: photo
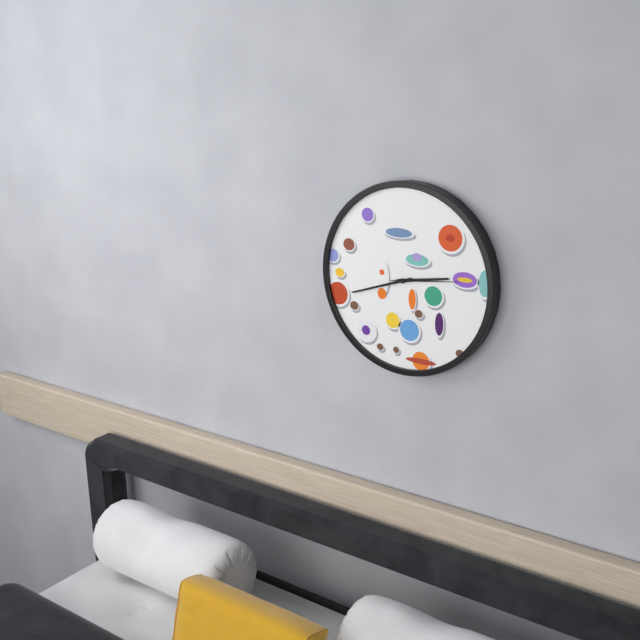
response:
h=2 m=42 s=14
